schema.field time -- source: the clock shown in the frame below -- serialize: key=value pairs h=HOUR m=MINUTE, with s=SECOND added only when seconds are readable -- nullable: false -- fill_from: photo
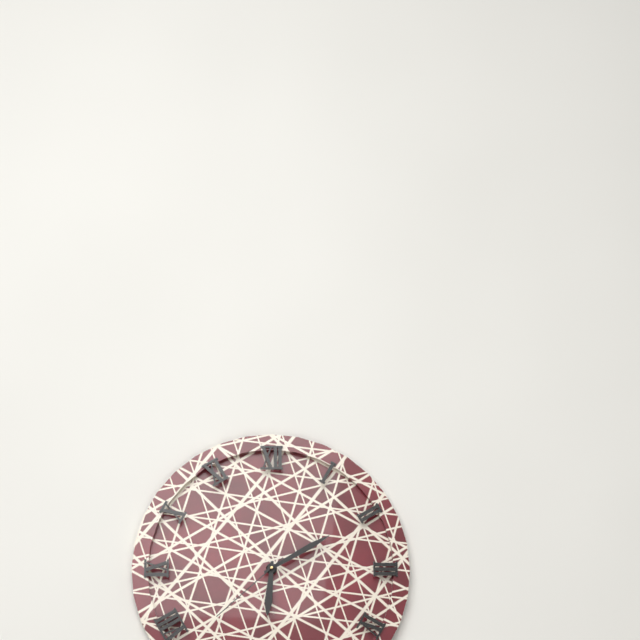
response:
h=6 m=10 s=38
